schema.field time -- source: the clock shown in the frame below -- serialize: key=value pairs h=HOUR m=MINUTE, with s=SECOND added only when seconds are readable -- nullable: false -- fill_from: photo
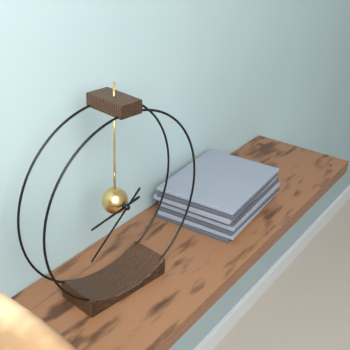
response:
h=8 m=38
